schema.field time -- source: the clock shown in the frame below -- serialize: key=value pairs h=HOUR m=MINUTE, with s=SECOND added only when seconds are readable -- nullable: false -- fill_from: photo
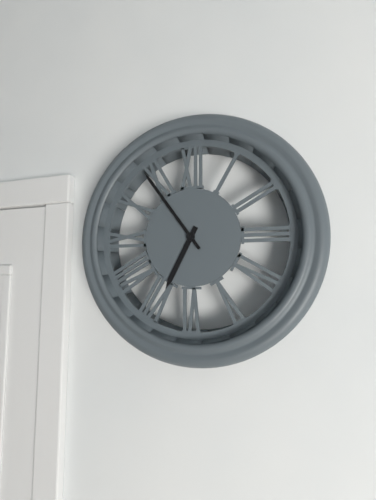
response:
h=6 m=54
